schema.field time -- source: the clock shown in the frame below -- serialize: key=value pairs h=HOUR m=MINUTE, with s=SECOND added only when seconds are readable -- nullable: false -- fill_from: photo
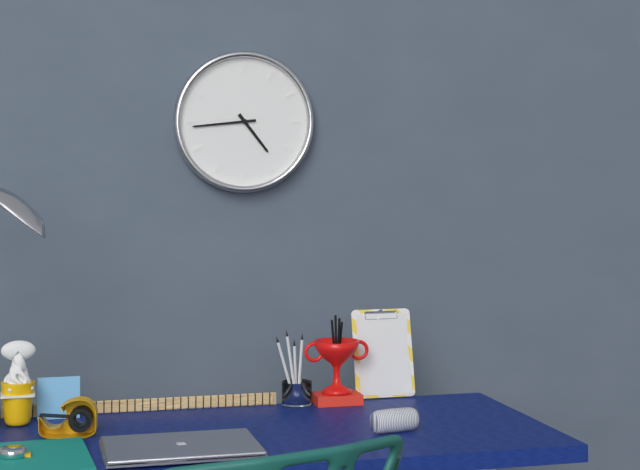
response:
h=4 m=44
